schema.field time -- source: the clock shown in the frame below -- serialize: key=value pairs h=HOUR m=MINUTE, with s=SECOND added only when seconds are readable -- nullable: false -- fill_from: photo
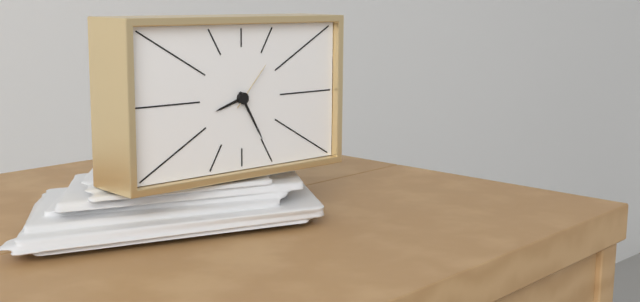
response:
h=8 m=25
